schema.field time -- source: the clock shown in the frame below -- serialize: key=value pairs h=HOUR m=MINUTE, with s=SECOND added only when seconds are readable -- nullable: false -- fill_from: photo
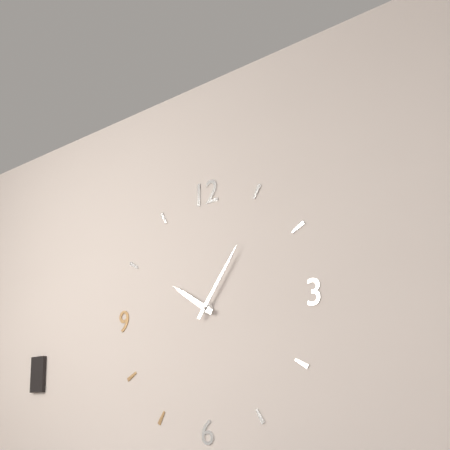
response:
h=10 m=6
